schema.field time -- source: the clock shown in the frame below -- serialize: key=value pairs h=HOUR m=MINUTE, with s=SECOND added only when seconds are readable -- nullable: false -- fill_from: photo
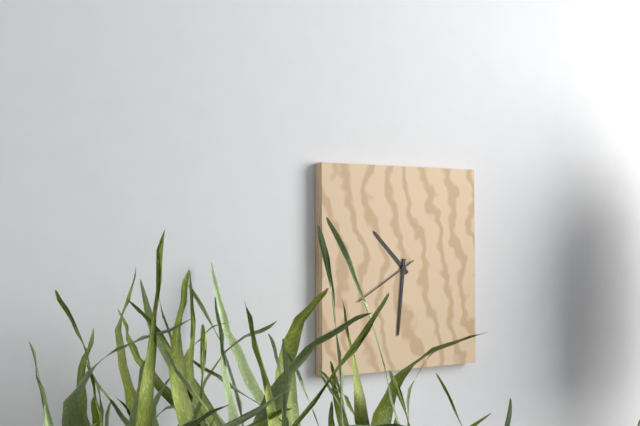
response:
h=10 m=31 s=40
